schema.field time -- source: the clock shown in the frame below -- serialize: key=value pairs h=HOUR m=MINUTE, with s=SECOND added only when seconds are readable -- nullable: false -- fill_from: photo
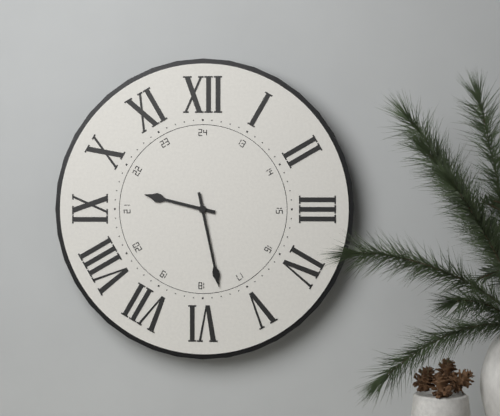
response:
h=9 m=28
